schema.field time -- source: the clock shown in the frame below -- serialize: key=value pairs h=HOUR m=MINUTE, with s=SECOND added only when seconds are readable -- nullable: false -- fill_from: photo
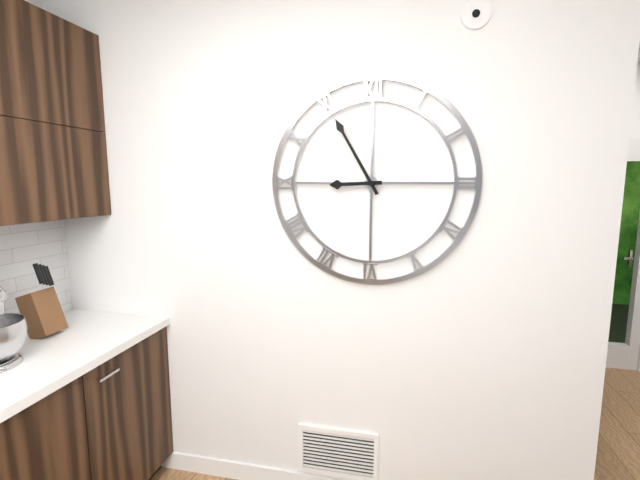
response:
h=8 m=55
